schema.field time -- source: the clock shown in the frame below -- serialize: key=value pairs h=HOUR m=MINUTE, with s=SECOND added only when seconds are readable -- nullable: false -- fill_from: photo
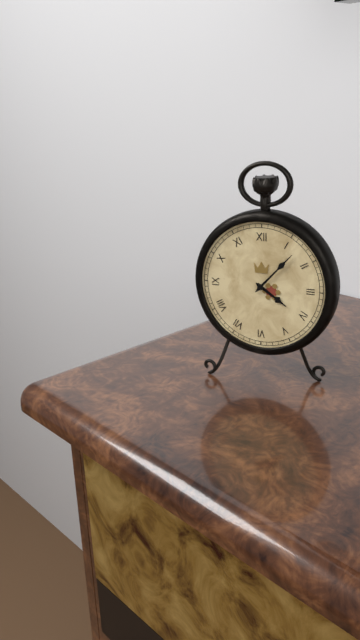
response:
h=4 m=7
